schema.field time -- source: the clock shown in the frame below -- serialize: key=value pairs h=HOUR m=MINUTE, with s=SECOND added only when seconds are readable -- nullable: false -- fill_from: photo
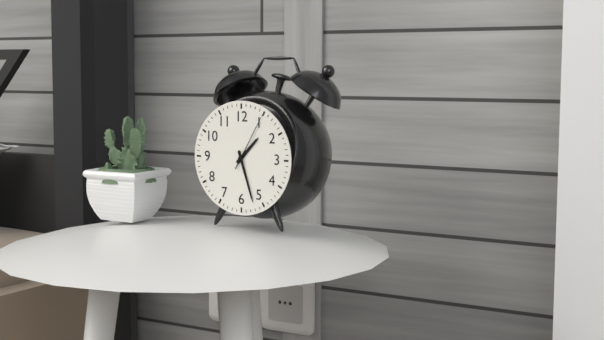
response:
h=1 m=27 s=5
